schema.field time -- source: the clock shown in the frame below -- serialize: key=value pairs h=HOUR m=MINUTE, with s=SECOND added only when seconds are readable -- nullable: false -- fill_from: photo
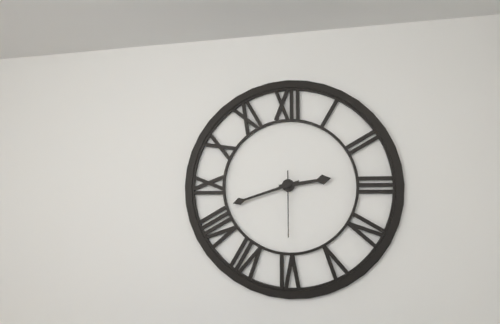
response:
h=2 m=42 s=30
